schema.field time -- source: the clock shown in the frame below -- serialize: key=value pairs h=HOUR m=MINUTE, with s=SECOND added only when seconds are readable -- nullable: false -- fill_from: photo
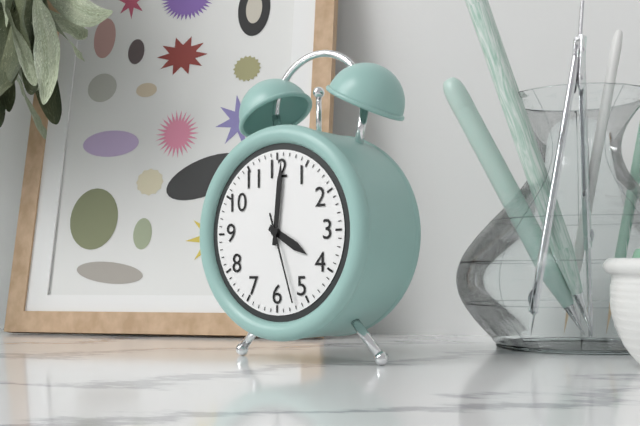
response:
h=4 m=1 s=27
